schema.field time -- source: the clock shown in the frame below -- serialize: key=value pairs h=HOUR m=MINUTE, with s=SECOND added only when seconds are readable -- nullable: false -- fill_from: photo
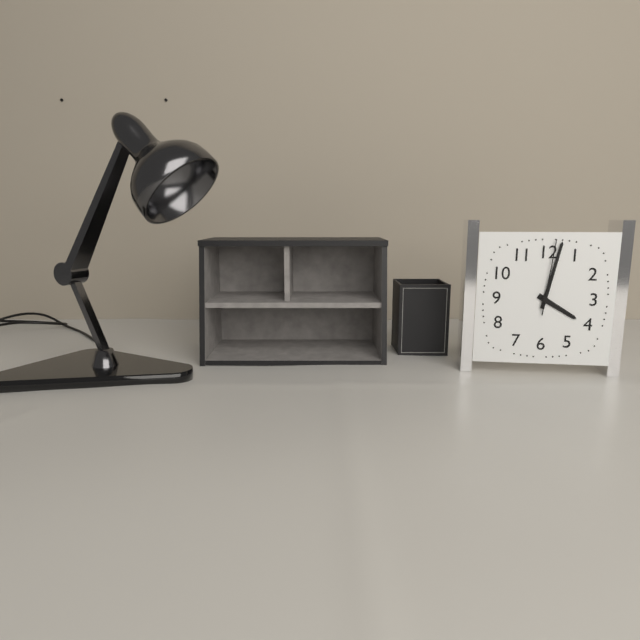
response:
h=4 m=2 s=1
